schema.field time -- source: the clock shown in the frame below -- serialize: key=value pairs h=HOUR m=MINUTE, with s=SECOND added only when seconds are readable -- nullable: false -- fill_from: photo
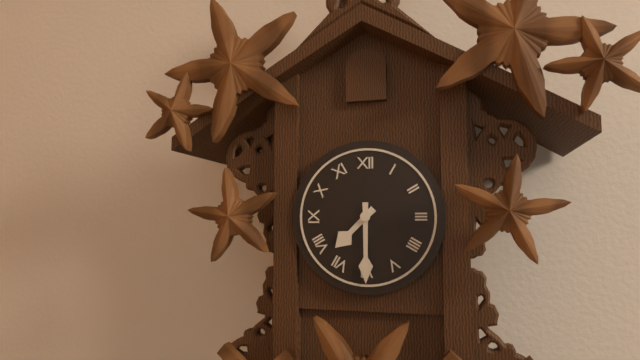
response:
h=7 m=30
